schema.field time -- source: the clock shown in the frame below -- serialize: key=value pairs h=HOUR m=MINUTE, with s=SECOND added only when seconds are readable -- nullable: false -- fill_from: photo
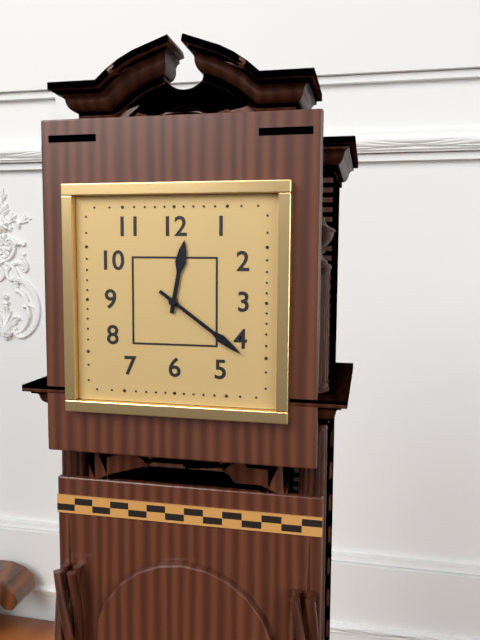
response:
h=12 m=21
